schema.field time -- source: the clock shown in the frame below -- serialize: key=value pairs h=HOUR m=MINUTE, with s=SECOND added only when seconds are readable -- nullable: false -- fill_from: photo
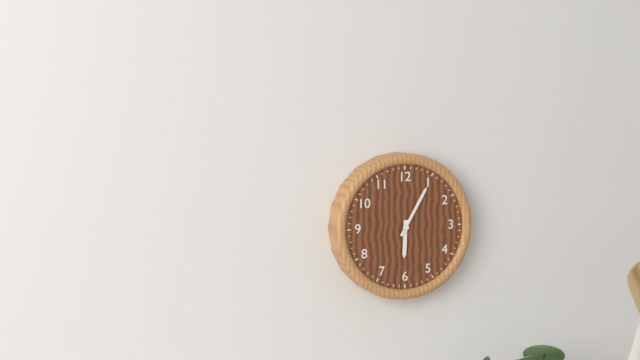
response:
h=6 m=5
